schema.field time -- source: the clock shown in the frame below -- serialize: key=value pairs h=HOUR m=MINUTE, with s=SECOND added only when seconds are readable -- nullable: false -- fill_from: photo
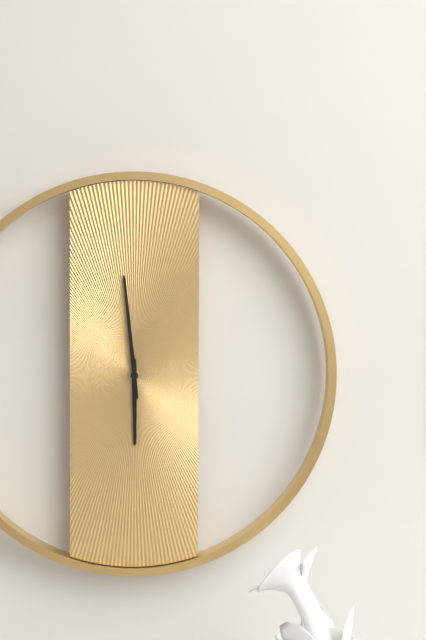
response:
h=5 m=59
